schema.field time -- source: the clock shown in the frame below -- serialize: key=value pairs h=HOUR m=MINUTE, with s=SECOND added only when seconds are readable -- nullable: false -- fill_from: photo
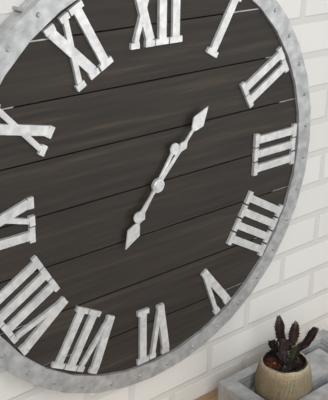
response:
h=7 m=7
